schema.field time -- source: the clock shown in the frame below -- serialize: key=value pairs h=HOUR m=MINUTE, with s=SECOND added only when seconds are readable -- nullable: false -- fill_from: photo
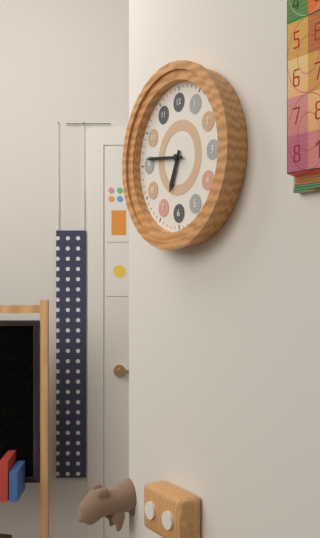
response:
h=6 m=46
